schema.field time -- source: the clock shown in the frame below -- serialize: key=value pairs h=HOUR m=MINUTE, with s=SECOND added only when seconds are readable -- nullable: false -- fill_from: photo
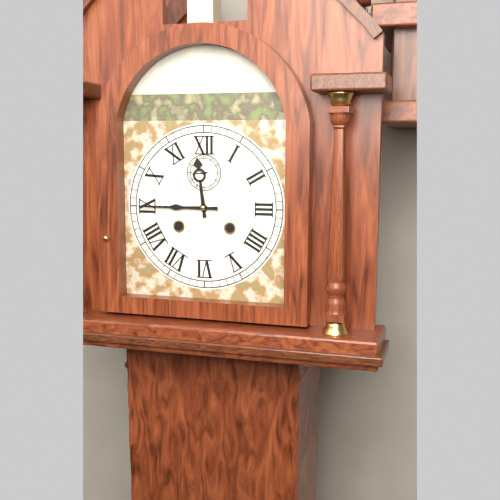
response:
h=11 m=45
